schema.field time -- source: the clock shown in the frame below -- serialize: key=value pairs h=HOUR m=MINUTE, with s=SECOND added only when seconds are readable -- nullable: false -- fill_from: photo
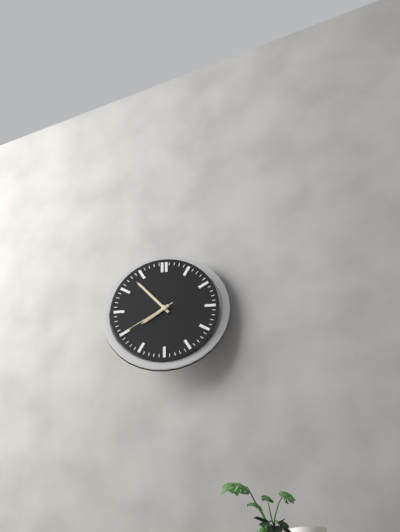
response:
h=7 m=53 s=40
